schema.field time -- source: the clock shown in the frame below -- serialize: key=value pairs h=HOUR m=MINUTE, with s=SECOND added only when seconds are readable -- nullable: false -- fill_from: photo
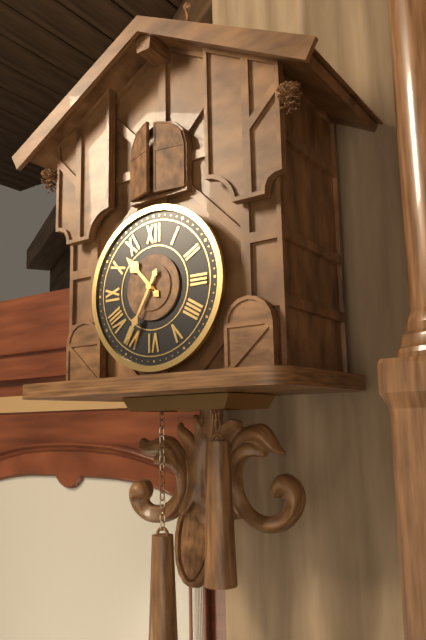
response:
h=10 m=35
